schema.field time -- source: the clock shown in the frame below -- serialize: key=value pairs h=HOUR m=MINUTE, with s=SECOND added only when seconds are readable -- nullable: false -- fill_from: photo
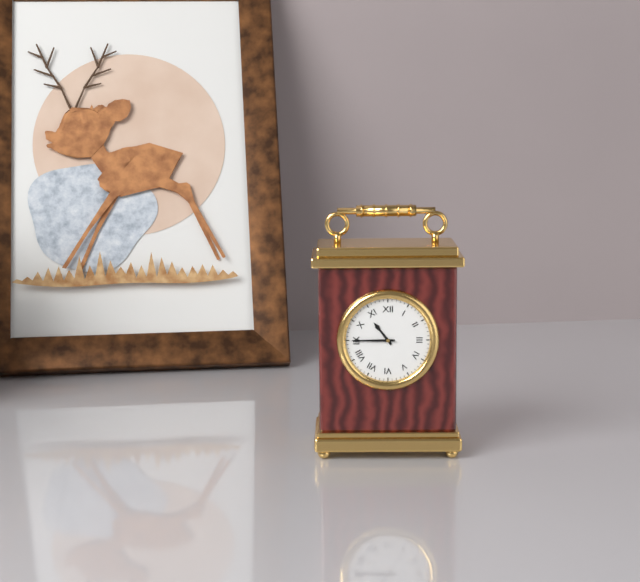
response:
h=10 m=45
